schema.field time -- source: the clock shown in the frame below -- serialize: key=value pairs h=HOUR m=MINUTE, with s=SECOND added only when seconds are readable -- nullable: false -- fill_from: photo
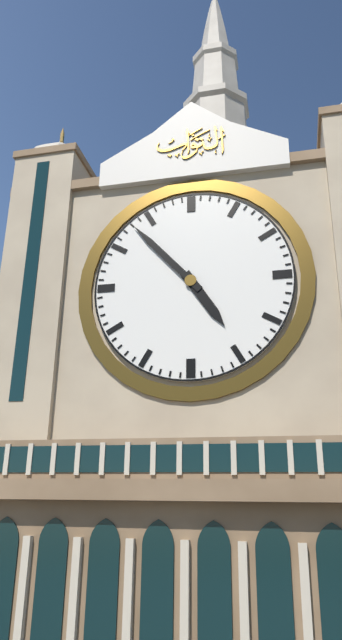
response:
h=4 m=53
